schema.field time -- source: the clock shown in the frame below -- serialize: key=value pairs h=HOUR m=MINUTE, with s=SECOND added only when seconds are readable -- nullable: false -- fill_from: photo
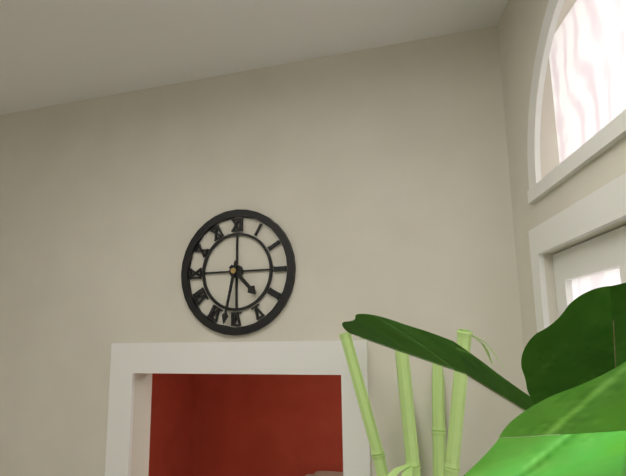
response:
h=4 m=32
